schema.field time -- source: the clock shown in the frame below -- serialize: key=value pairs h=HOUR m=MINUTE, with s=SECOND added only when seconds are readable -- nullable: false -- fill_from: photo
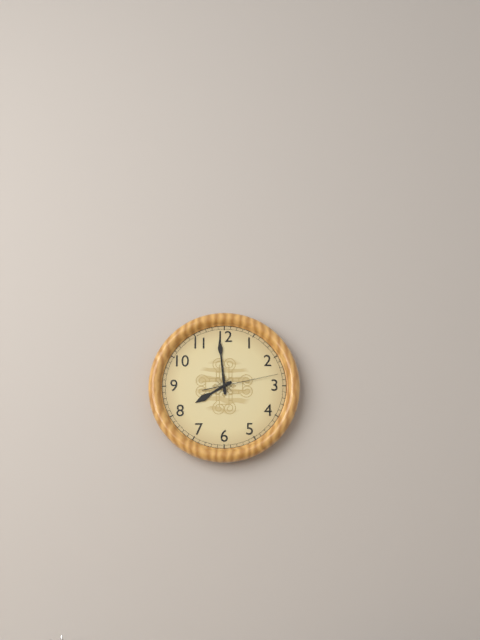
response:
h=7 m=59 s=13
